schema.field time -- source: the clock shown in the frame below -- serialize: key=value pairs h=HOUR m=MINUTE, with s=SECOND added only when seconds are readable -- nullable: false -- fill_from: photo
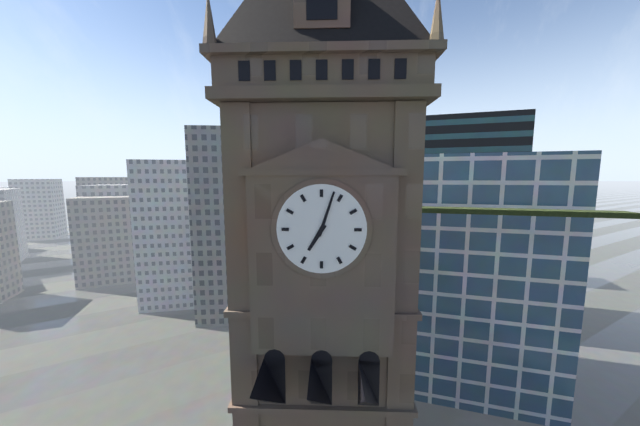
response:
h=7 m=3
